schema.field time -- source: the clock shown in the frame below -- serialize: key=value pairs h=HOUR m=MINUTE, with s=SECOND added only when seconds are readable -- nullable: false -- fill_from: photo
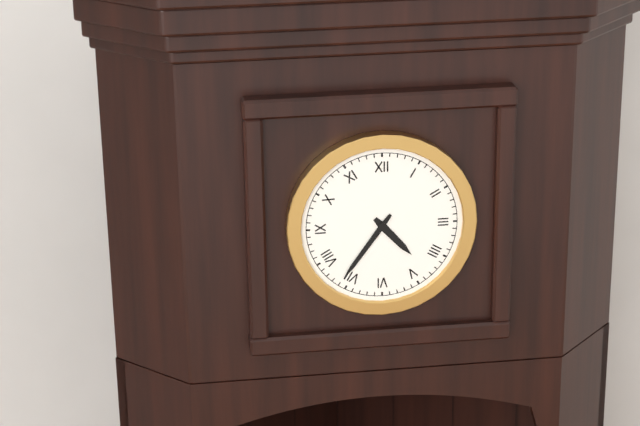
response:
h=4 m=36
